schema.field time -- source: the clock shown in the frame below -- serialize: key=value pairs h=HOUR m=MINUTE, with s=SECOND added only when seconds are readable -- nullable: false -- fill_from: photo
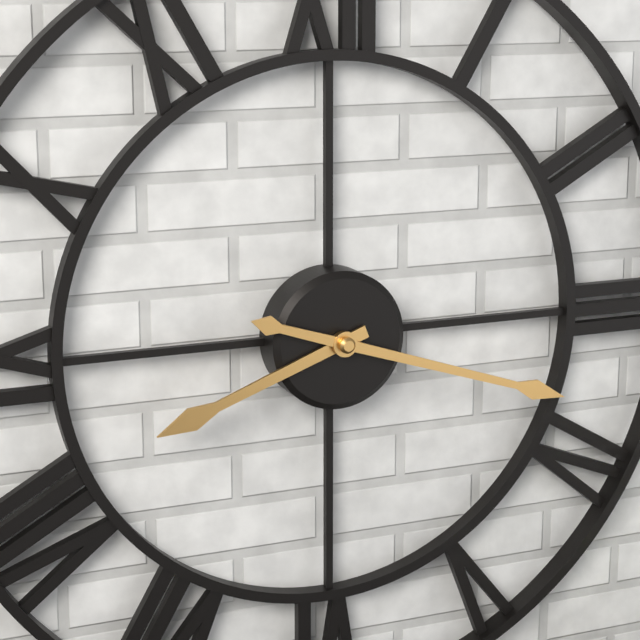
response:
h=8 m=18
